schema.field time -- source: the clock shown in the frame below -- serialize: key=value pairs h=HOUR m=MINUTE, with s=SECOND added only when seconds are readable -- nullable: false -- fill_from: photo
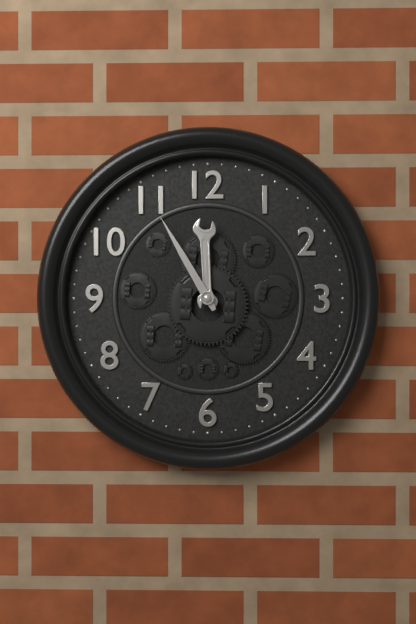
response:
h=11 m=55
